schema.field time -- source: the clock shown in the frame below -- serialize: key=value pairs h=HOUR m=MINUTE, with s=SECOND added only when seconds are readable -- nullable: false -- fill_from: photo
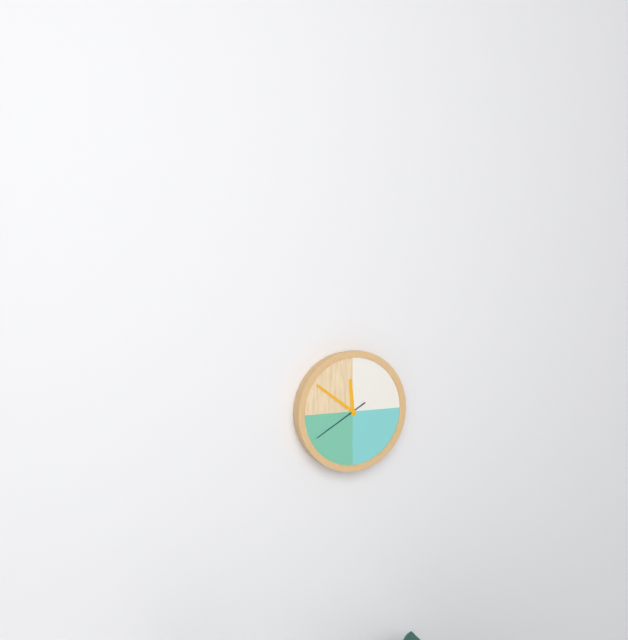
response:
h=11 m=51 s=40
